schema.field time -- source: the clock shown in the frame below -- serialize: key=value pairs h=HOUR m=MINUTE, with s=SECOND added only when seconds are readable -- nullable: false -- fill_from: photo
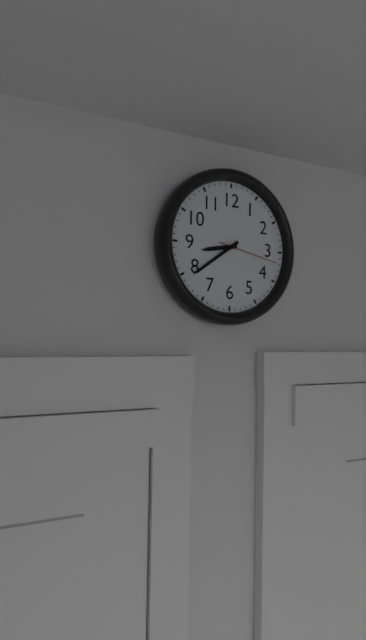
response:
h=8 m=39 s=17
